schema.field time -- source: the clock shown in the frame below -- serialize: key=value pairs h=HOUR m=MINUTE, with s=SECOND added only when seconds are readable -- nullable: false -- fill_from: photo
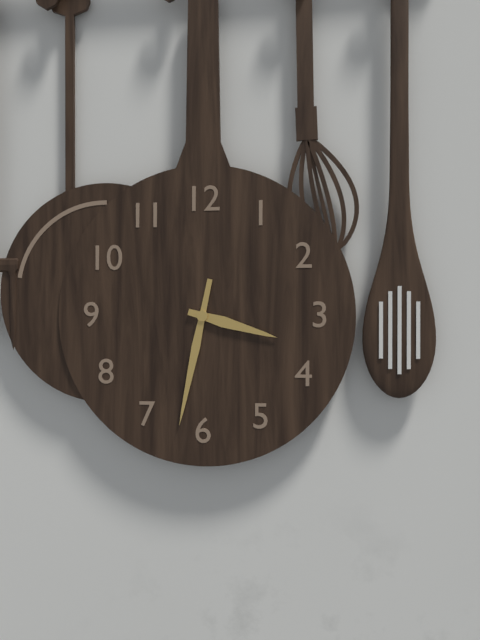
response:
h=3 m=32
